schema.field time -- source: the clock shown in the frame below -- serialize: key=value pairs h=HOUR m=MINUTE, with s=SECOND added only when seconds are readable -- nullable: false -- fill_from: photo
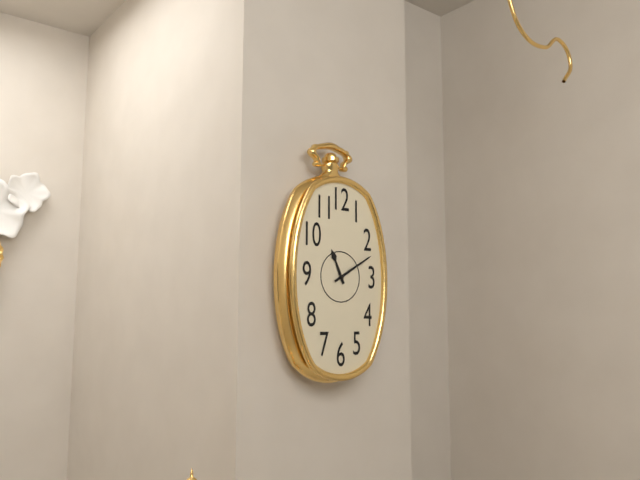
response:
h=11 m=10
